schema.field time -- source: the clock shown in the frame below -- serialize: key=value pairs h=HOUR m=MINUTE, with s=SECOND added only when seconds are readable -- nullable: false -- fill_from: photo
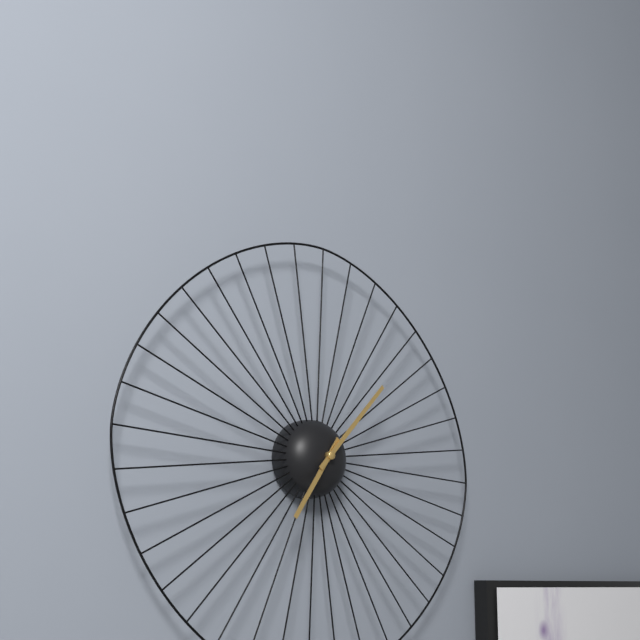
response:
h=7 m=7
